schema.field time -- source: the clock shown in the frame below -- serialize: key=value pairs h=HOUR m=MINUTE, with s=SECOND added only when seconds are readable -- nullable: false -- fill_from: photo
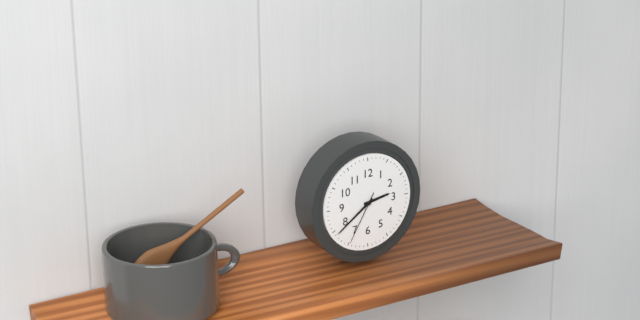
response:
h=2 m=39 s=35
